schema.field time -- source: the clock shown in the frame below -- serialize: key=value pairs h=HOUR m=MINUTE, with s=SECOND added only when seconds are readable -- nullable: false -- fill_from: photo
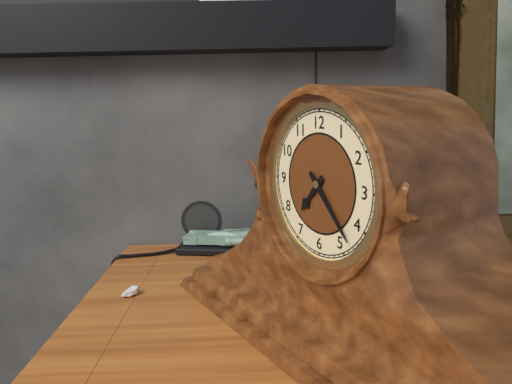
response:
h=7 m=23
